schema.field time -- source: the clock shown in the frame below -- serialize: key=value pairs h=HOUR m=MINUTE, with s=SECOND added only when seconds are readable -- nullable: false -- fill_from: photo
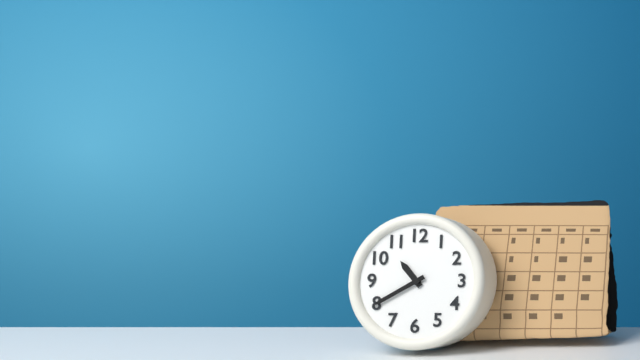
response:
h=10 m=40
